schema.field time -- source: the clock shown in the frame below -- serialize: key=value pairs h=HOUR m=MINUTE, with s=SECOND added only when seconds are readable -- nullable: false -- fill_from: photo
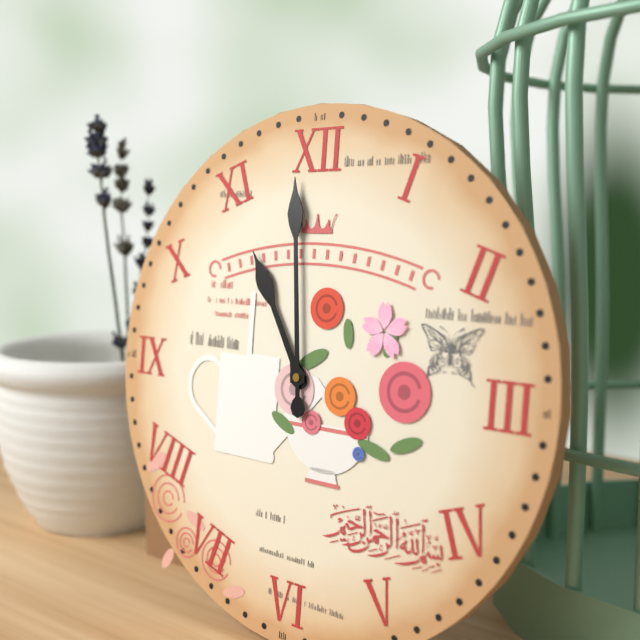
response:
h=10 m=59
